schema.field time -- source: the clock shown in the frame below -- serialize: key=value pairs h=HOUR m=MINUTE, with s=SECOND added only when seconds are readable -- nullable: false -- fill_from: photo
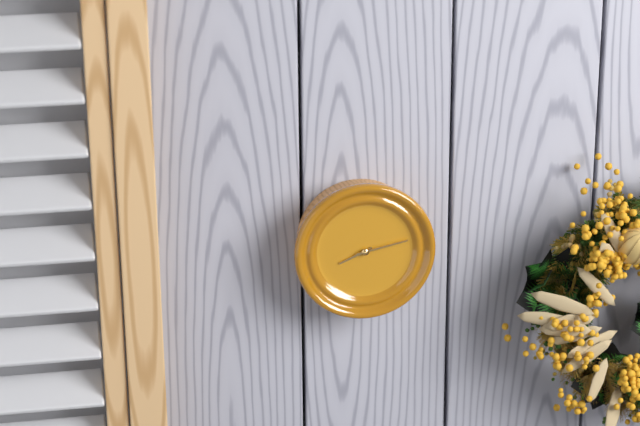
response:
h=8 m=13
